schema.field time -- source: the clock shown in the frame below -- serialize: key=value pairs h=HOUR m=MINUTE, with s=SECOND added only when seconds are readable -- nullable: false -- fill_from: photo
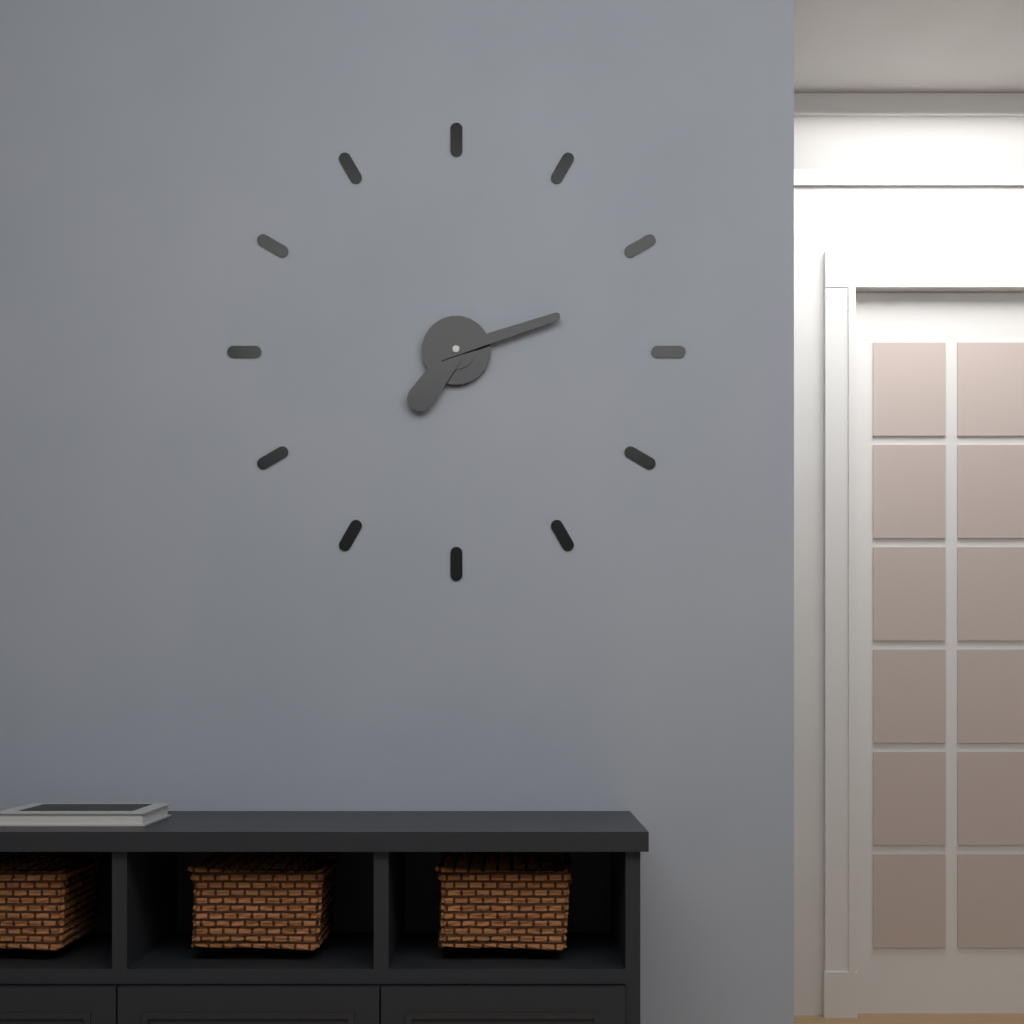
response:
h=7 m=12
